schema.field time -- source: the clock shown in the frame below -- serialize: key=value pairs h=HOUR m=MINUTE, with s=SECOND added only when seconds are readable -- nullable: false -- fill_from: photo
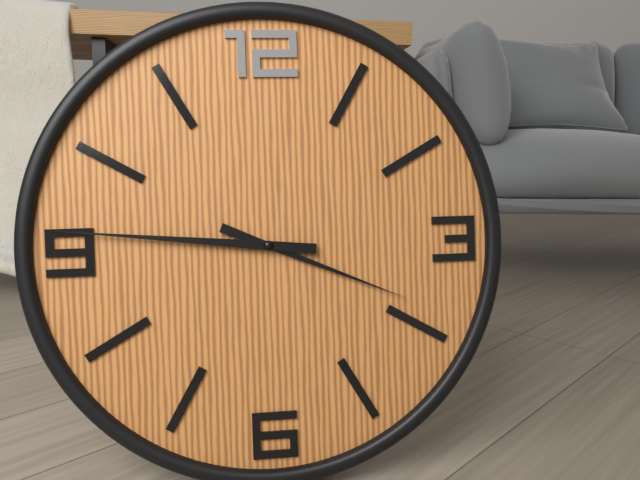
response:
h=3 m=46
